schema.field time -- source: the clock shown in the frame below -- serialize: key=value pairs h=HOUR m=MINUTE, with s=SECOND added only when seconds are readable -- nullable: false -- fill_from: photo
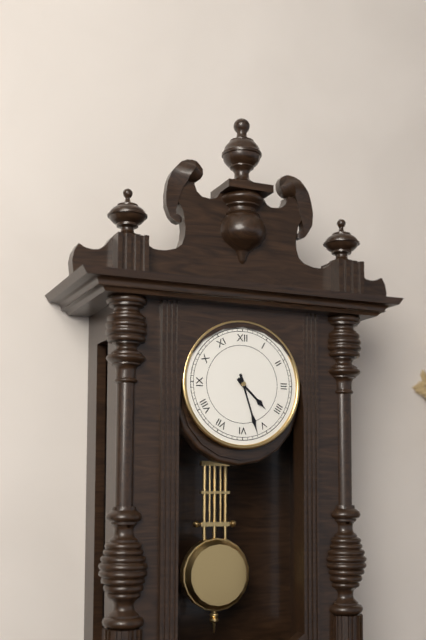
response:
h=4 m=27
